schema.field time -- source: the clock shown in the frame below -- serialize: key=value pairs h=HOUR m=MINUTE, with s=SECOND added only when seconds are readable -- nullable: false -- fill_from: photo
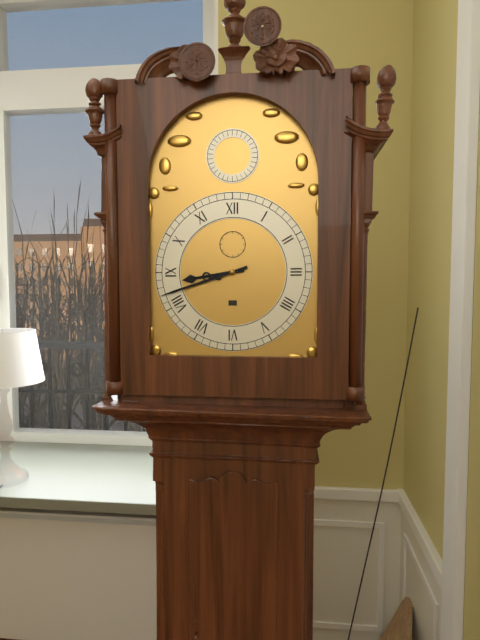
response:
h=8 m=42
